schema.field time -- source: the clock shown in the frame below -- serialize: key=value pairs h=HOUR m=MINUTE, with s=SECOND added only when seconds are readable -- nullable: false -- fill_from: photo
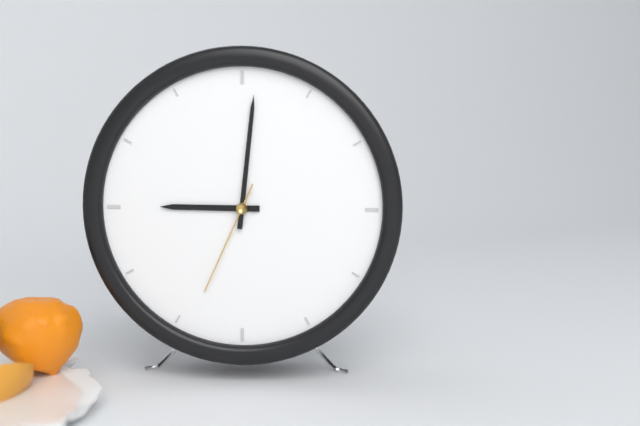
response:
h=9 m=1 s=34
